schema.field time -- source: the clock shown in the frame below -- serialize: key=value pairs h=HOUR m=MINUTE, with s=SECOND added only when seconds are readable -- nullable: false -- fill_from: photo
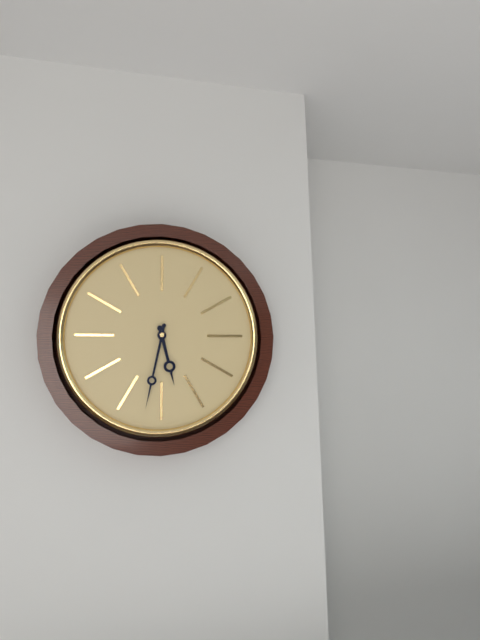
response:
h=5 m=32
